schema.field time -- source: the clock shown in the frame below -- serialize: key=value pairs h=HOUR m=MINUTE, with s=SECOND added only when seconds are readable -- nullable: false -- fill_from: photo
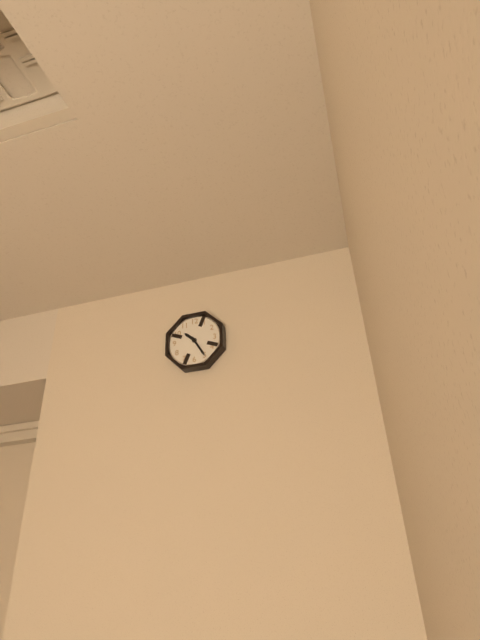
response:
h=10 m=25
